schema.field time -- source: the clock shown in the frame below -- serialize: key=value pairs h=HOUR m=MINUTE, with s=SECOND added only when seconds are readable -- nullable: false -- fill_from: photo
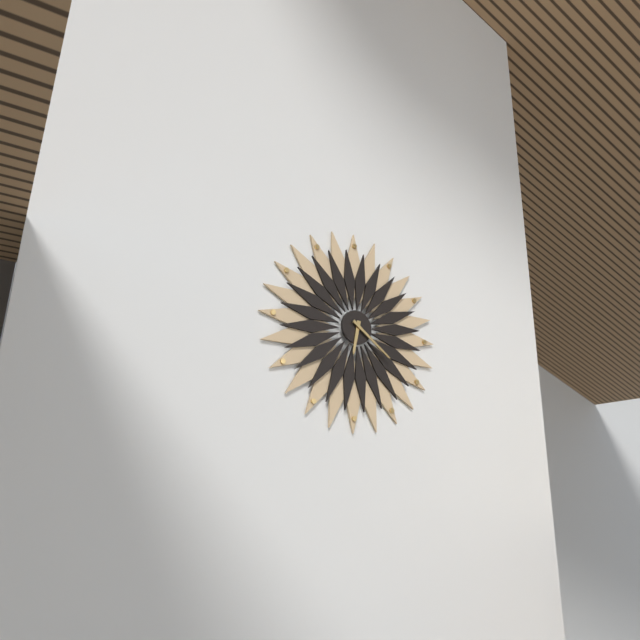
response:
h=6 m=21
